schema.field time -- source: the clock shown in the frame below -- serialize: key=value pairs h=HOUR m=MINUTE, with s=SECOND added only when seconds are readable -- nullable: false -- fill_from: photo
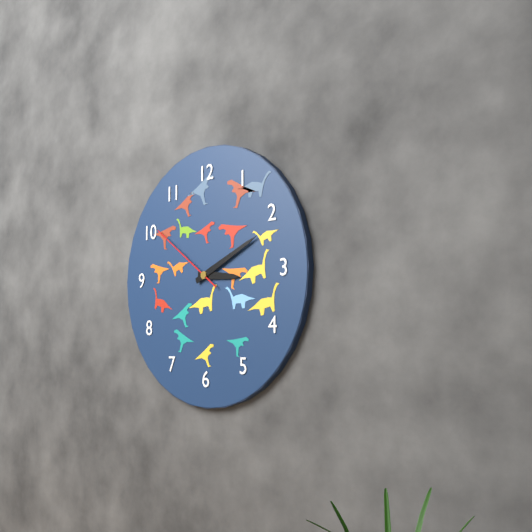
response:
h=3 m=11 s=51
